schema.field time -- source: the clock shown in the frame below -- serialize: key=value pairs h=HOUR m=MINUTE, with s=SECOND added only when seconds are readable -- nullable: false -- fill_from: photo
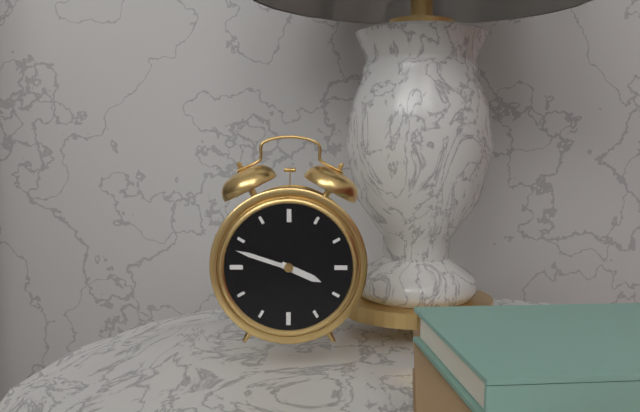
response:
h=3 m=48
